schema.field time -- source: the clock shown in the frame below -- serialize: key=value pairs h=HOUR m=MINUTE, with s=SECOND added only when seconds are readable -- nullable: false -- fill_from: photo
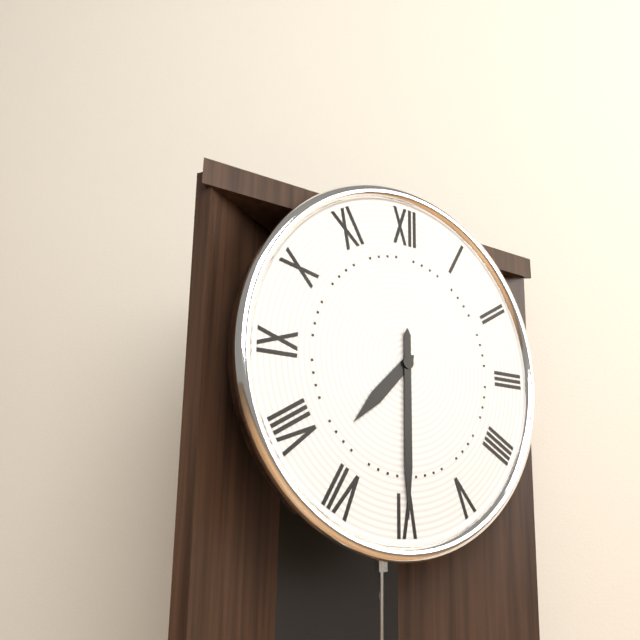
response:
h=7 m=30
